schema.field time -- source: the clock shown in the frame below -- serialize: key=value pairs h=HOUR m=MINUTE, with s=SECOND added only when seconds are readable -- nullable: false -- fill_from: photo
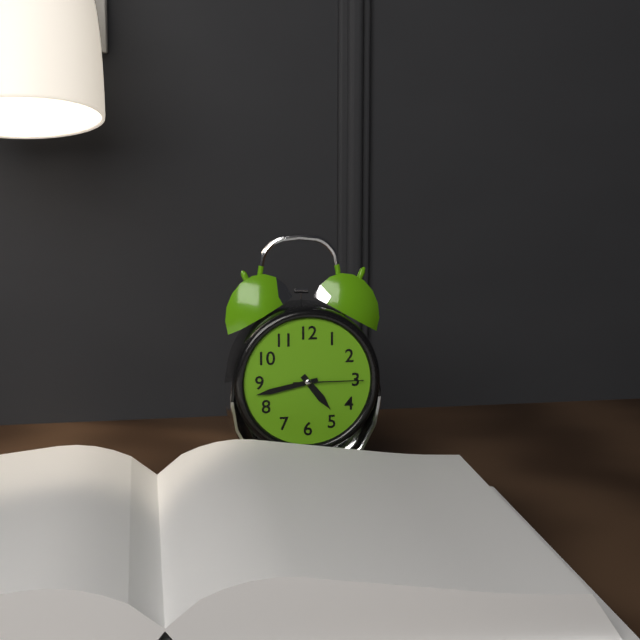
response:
h=4 m=43 s=15
